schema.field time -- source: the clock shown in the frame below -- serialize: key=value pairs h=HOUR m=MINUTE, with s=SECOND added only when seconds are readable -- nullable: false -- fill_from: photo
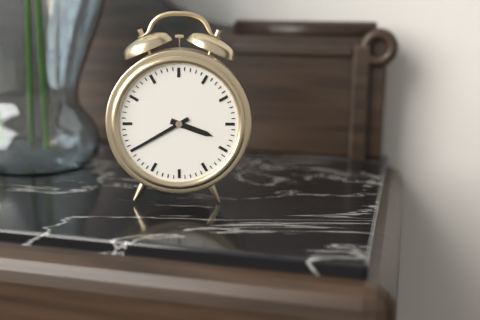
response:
h=3 m=40
